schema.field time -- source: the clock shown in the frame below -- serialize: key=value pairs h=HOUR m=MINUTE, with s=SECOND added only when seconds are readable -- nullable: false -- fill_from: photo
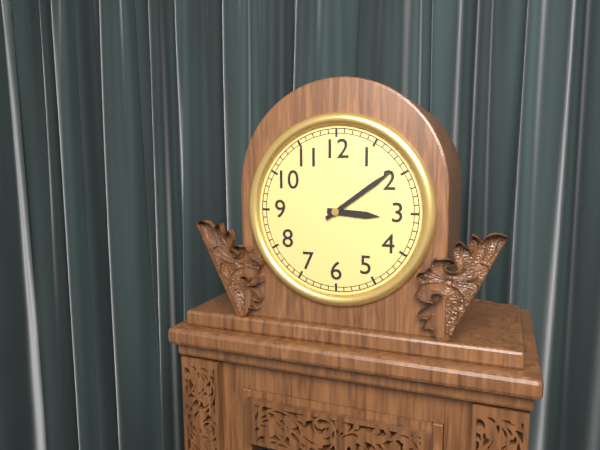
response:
h=3 m=9
